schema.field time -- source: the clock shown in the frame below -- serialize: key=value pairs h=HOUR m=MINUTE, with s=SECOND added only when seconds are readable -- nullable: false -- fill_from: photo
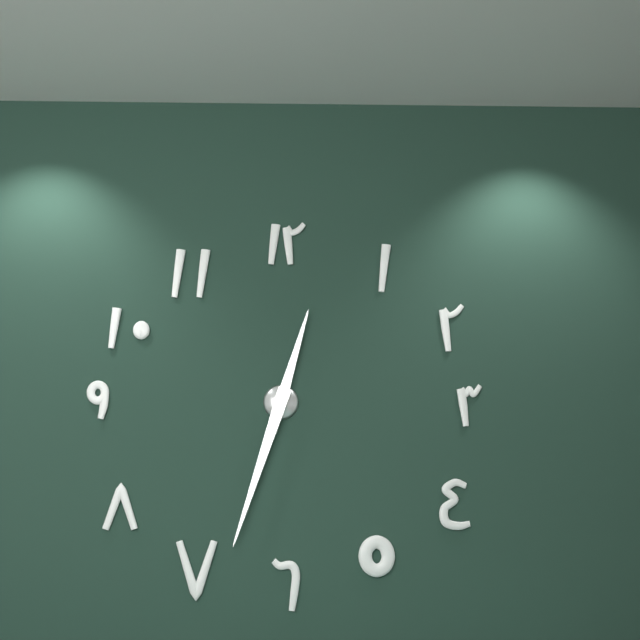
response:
h=12 m=33
